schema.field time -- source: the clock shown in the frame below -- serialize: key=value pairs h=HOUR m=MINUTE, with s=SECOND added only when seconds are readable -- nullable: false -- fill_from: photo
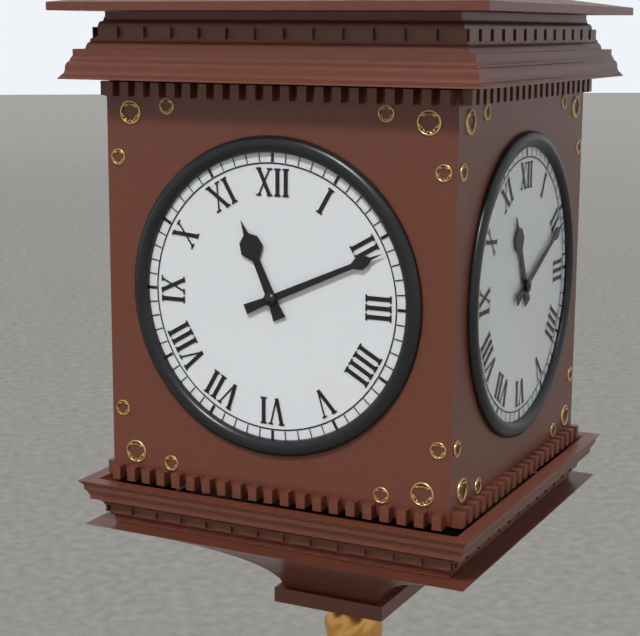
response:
h=11 m=11
